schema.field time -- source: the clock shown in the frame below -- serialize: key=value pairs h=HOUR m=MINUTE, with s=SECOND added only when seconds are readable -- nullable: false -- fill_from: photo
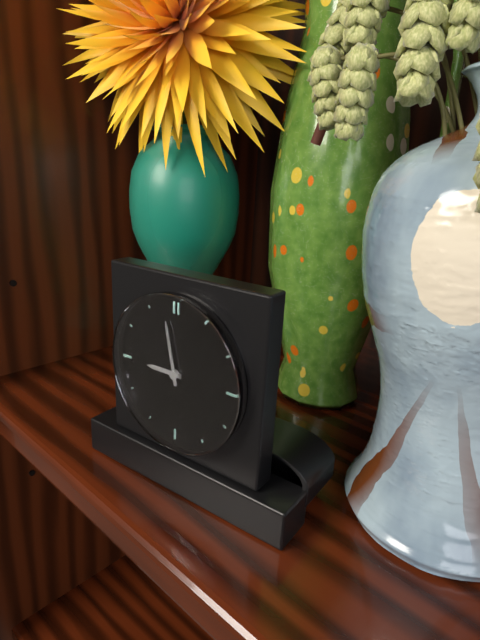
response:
h=8 m=58
